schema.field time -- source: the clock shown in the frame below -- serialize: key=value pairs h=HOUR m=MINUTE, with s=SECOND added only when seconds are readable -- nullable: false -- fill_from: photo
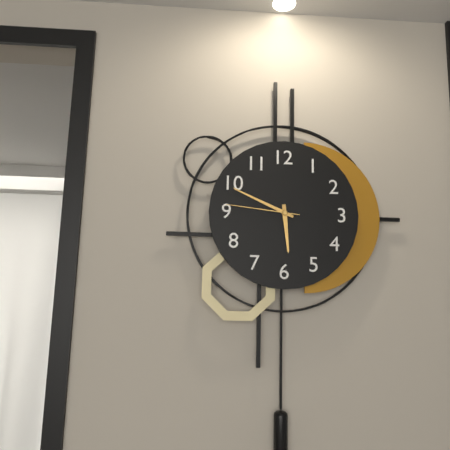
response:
h=5 m=49 s=46
